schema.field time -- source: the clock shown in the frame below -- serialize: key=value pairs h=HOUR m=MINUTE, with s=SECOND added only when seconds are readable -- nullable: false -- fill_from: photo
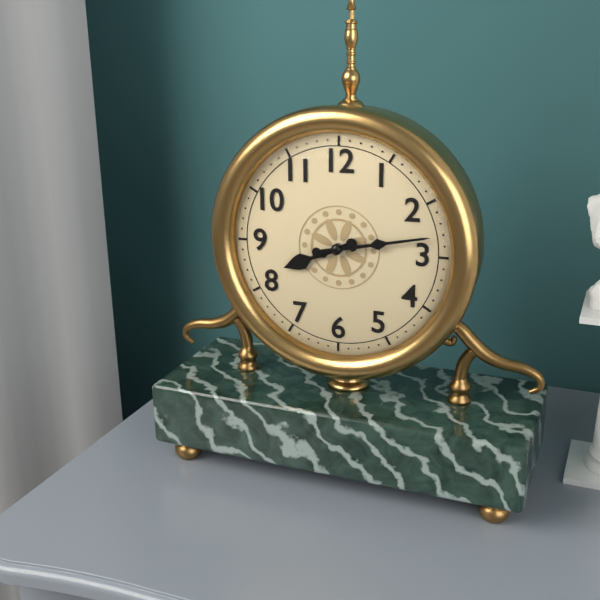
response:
h=8 m=13
